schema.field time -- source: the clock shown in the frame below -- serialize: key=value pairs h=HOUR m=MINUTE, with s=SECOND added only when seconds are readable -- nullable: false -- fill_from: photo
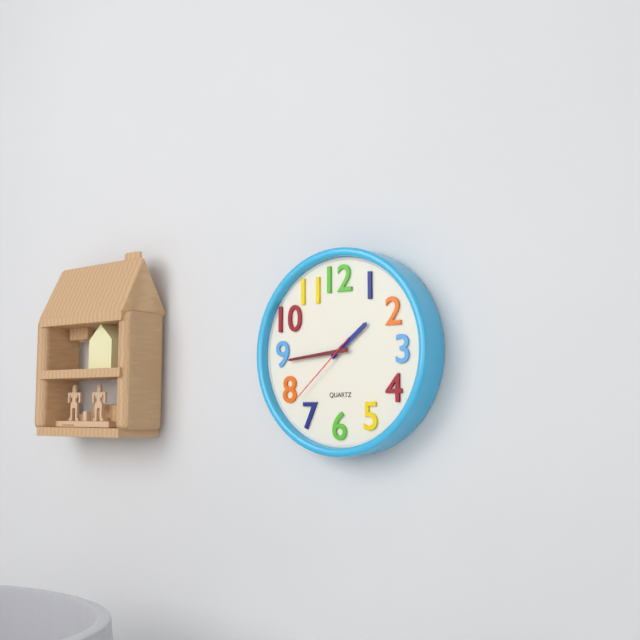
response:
h=1 m=44 s=38
